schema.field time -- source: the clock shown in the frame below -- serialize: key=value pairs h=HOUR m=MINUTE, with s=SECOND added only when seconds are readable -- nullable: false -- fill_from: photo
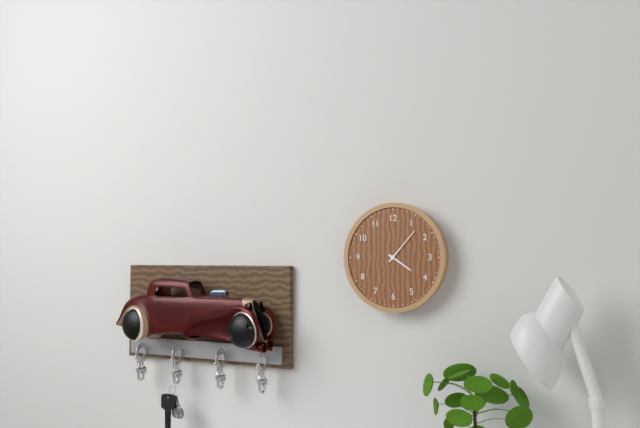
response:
h=4 m=7
